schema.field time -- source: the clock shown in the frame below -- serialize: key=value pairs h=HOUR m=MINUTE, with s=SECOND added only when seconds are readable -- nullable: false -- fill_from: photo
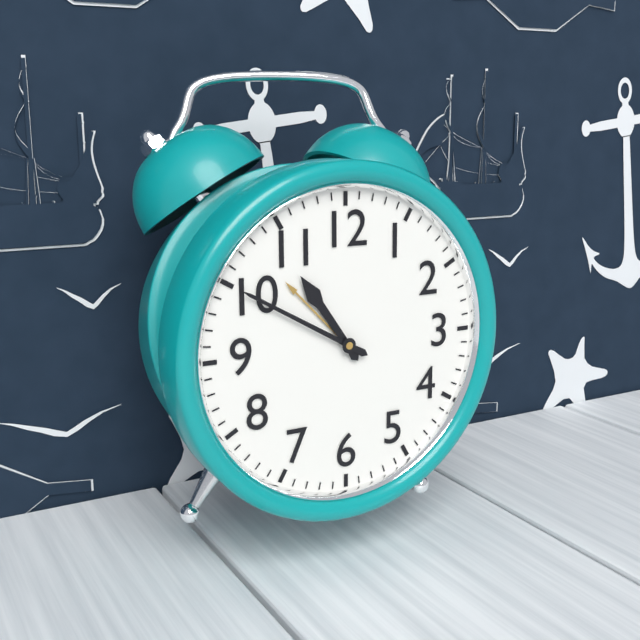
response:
h=10 m=50
